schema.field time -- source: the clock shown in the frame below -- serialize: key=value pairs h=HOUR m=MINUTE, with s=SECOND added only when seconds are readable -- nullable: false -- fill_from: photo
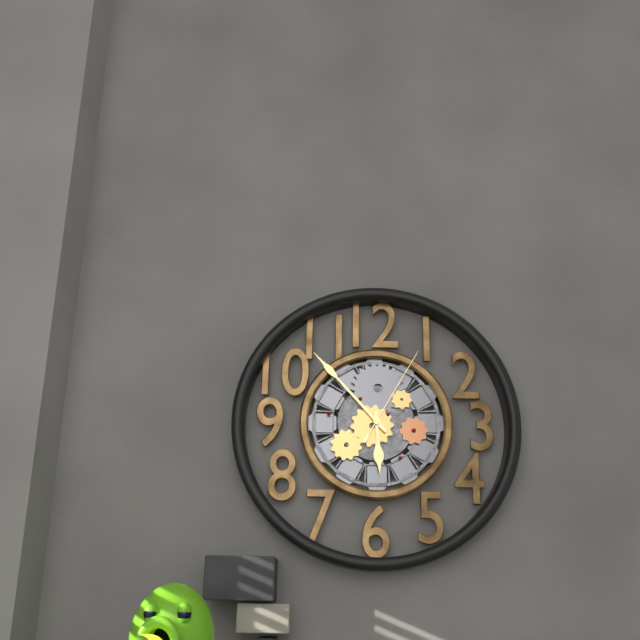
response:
h=5 m=53 s=5
